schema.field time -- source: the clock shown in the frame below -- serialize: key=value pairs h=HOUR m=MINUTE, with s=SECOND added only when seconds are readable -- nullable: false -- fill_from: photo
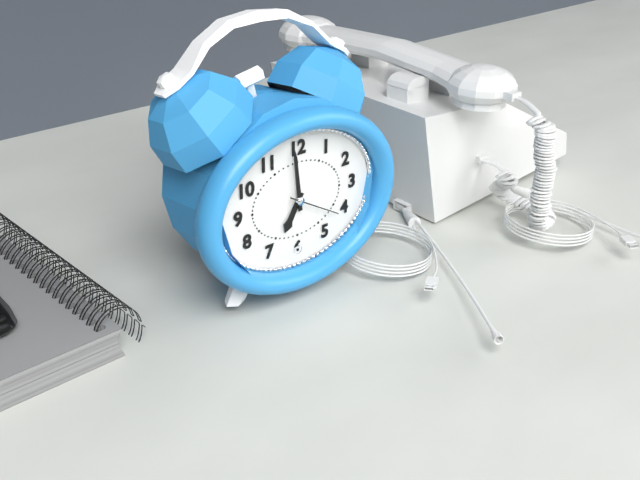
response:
h=6 m=59 s=20
